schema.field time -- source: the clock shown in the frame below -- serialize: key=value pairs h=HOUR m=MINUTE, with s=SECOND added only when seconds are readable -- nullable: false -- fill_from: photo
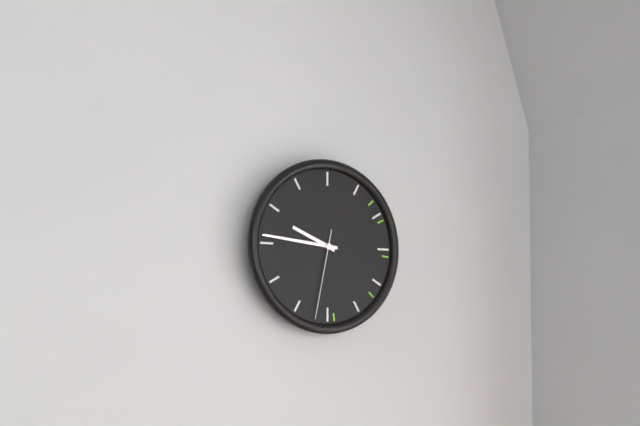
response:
h=9 m=46 s=32
